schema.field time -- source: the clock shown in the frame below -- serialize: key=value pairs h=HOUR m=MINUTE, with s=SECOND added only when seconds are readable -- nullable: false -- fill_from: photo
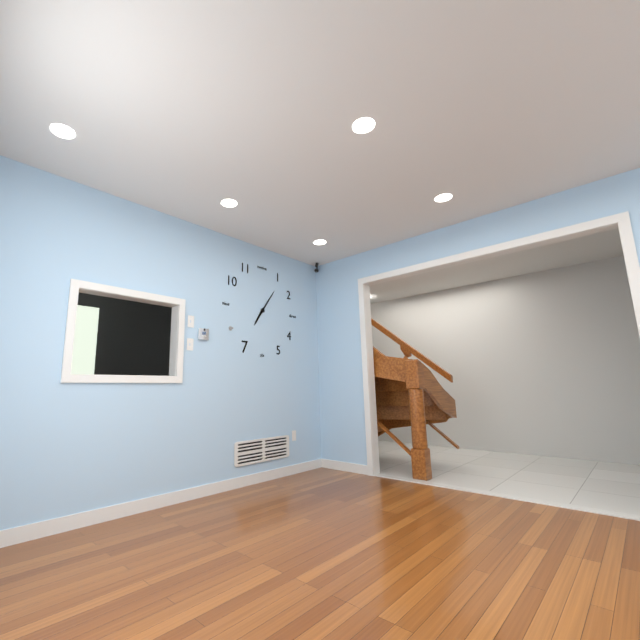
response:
h=7 m=6
